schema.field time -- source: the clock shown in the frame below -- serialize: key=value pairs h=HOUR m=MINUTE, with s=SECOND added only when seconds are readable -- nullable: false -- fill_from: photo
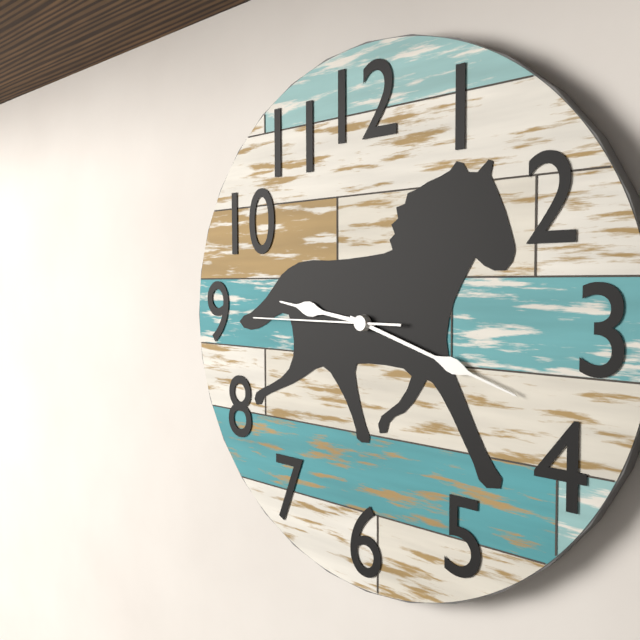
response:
h=9 m=18 s=45
